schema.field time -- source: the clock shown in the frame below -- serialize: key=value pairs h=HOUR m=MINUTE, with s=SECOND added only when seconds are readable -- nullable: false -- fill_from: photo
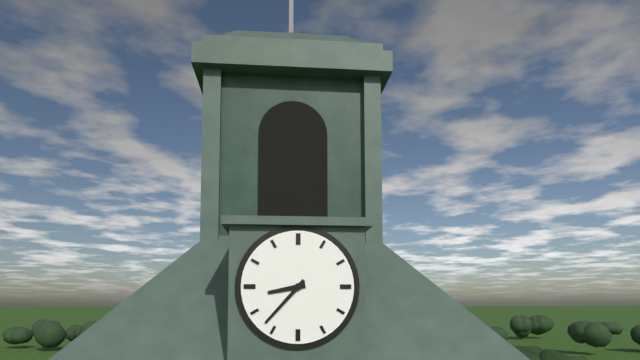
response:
h=8 m=37
